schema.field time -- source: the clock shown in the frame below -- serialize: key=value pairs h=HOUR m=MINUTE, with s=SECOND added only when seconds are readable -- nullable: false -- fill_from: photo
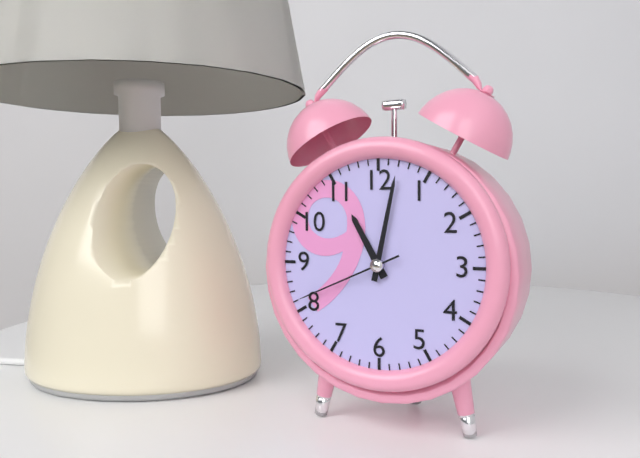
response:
h=11 m=2 s=41
